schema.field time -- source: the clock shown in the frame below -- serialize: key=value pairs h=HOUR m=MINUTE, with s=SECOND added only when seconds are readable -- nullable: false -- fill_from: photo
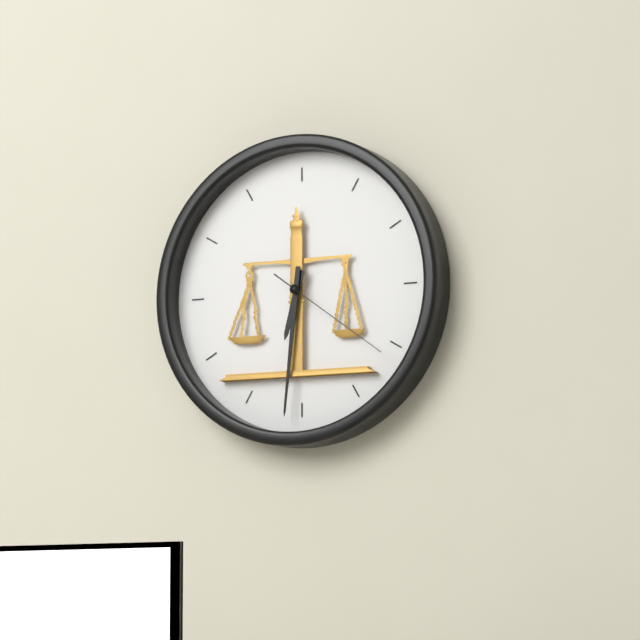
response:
h=6 m=31 s=21
